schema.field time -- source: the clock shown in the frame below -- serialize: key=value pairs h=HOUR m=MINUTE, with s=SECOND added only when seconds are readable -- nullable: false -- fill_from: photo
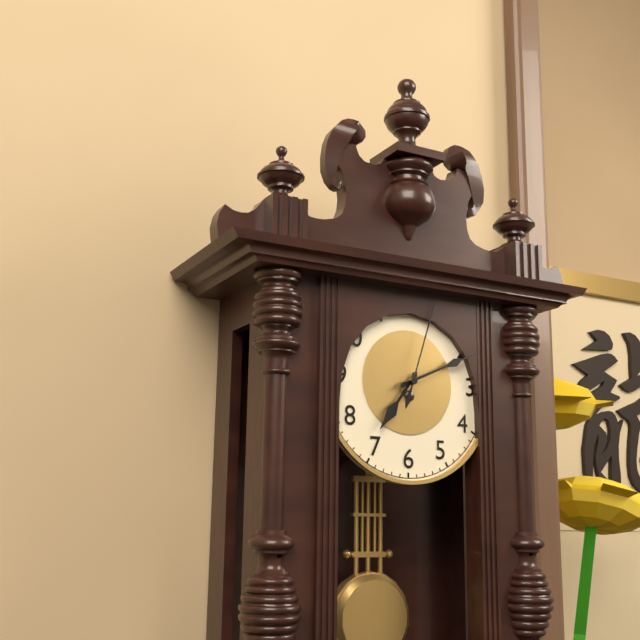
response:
h=7 m=11 s=3
